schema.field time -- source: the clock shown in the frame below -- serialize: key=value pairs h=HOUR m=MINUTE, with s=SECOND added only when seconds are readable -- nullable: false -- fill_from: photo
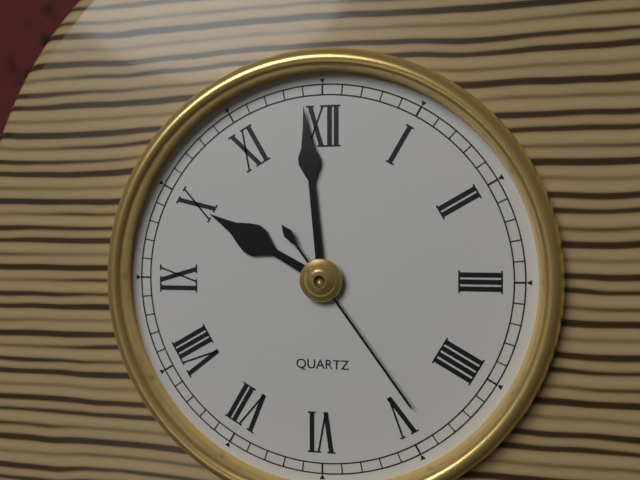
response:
h=9 m=59 s=24
